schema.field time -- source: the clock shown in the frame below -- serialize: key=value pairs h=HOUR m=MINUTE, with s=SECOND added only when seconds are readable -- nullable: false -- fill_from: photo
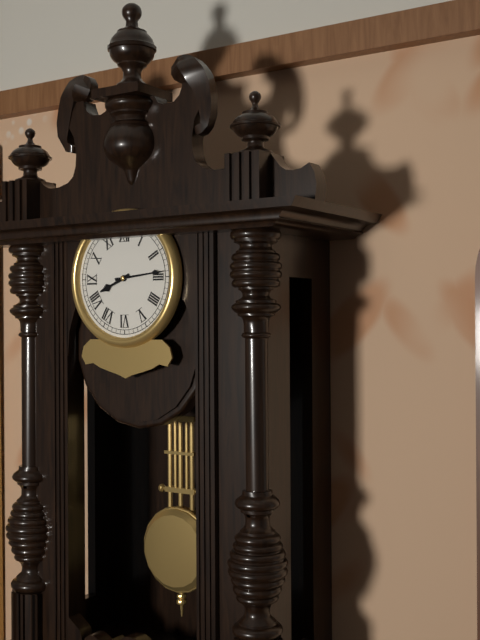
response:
h=8 m=14
